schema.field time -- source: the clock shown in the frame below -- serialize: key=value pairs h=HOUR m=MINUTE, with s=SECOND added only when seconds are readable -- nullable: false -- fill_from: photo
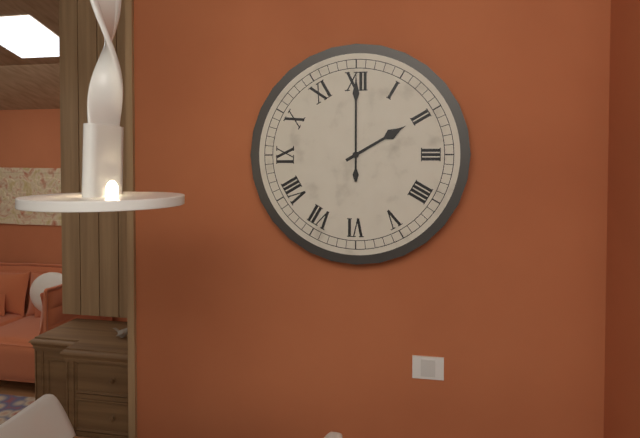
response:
h=2 m=0
